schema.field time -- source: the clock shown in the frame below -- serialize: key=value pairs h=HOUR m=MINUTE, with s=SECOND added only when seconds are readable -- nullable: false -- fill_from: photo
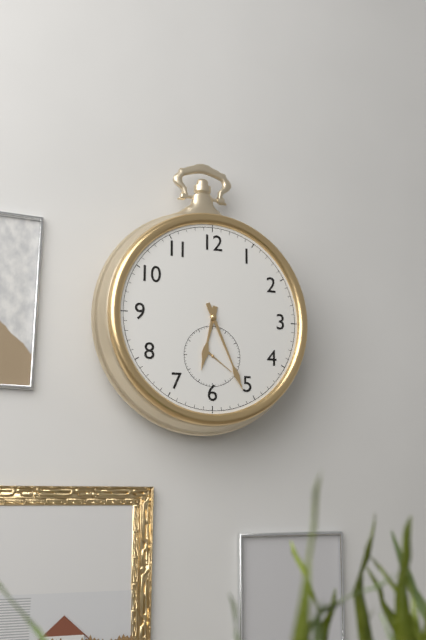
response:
h=6 m=26
